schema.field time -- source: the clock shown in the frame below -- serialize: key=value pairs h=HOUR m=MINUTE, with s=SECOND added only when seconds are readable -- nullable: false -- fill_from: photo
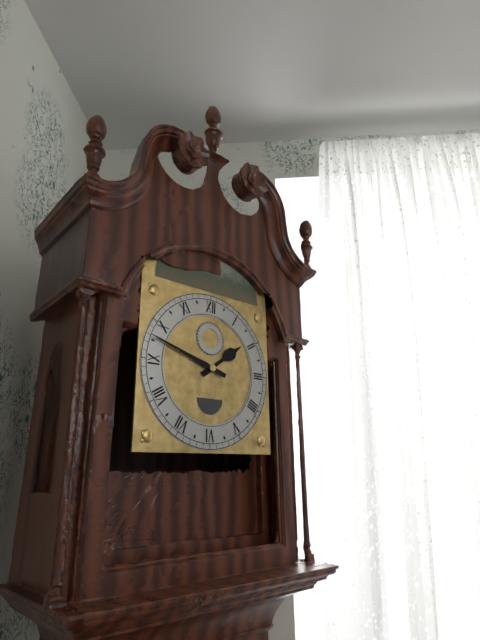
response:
h=1 m=48
